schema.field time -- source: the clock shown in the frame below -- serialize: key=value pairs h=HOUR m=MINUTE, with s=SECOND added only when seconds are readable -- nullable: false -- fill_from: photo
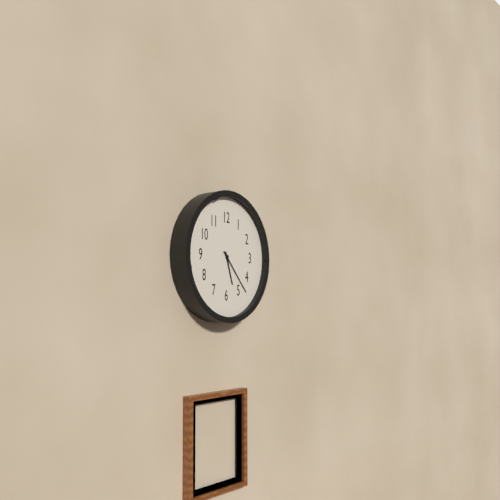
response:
h=5 m=23
